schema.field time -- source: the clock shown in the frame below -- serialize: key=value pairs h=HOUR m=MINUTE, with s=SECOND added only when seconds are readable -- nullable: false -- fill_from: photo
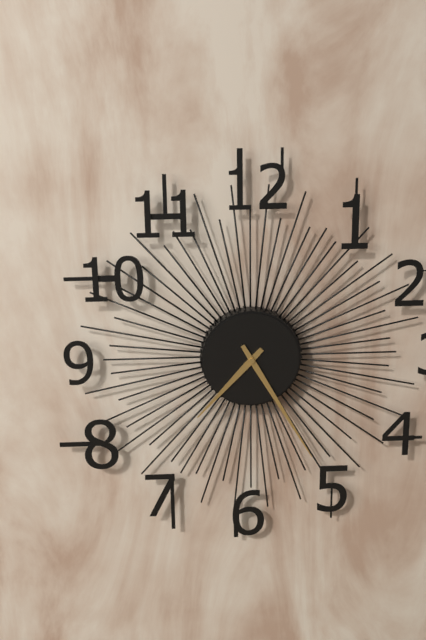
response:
h=7 m=25
